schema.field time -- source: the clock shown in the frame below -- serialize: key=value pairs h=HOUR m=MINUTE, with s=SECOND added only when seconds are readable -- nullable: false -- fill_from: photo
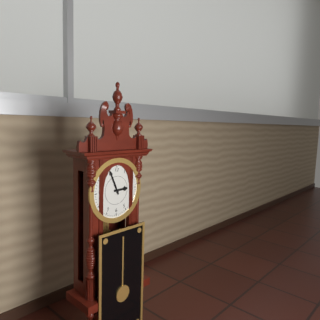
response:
h=2 m=56
